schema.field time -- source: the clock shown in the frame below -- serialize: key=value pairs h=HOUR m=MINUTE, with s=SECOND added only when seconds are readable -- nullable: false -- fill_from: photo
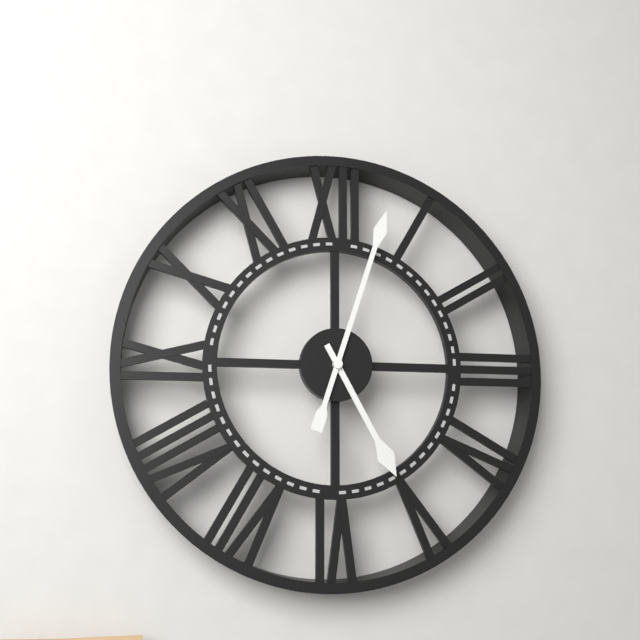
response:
h=5 m=3
